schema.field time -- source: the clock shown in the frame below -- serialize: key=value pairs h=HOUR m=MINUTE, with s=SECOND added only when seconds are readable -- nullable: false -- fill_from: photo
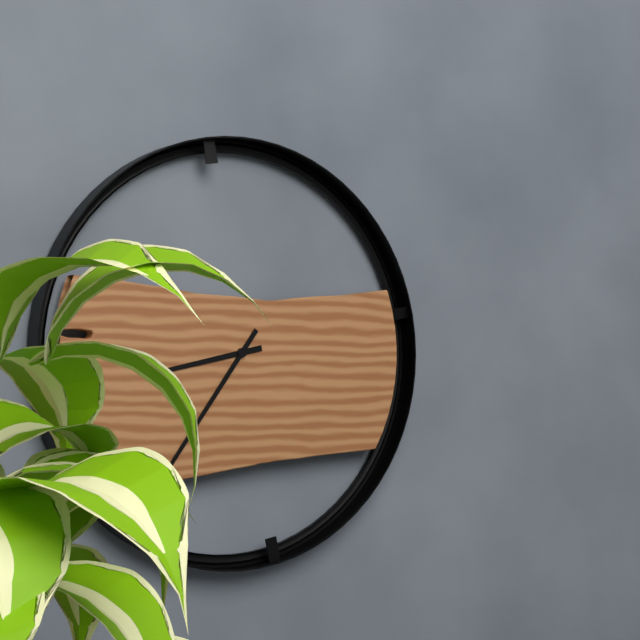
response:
h=8 m=36
